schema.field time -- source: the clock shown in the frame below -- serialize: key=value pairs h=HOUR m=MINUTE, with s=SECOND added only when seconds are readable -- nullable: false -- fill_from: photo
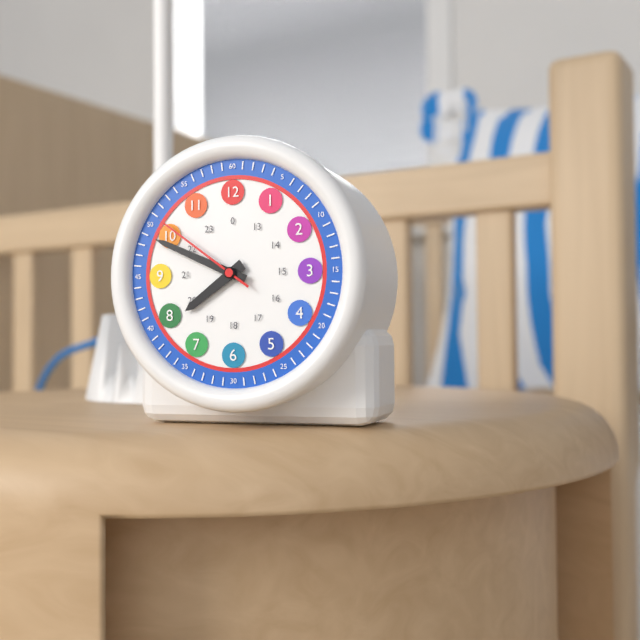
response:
h=7 m=49 s=51
